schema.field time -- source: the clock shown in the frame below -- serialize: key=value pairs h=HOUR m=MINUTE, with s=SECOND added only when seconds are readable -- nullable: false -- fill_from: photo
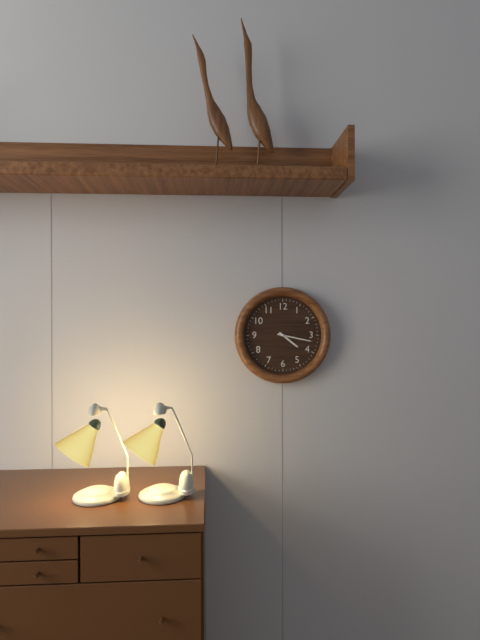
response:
h=4 m=17
